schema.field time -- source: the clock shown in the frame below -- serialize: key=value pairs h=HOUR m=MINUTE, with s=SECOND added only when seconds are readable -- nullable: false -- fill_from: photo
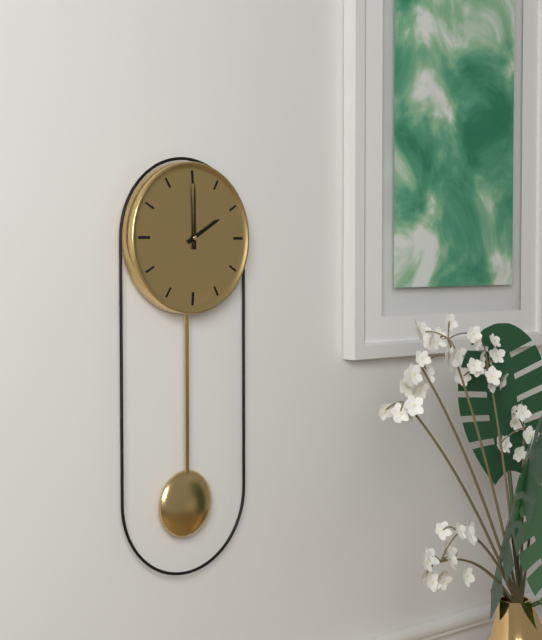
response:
h=2 m=0
